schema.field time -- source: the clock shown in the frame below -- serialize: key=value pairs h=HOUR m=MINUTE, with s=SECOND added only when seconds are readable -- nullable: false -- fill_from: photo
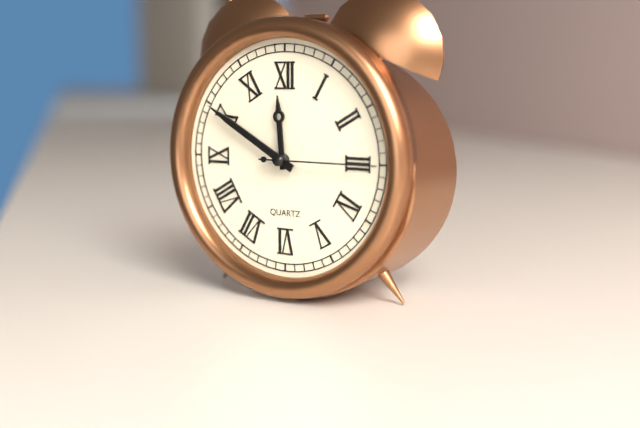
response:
h=11 m=50 s=15
